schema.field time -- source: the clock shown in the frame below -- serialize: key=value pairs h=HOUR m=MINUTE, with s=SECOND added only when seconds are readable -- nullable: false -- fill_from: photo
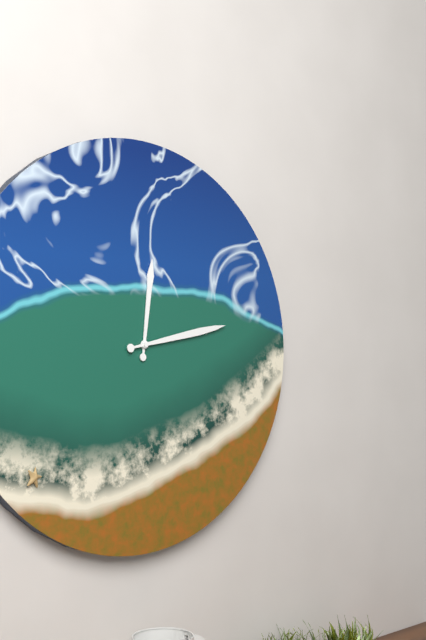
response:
h=12 m=13
